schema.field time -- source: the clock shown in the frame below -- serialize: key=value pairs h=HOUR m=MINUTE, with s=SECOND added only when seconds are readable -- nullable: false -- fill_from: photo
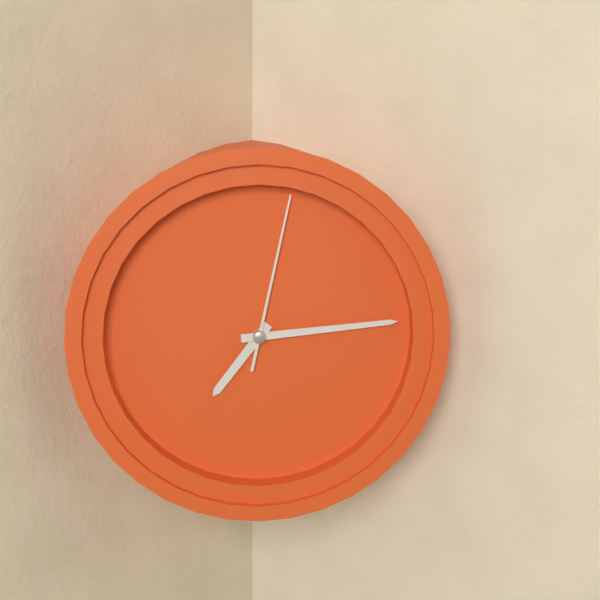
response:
h=7 m=14 s=2
